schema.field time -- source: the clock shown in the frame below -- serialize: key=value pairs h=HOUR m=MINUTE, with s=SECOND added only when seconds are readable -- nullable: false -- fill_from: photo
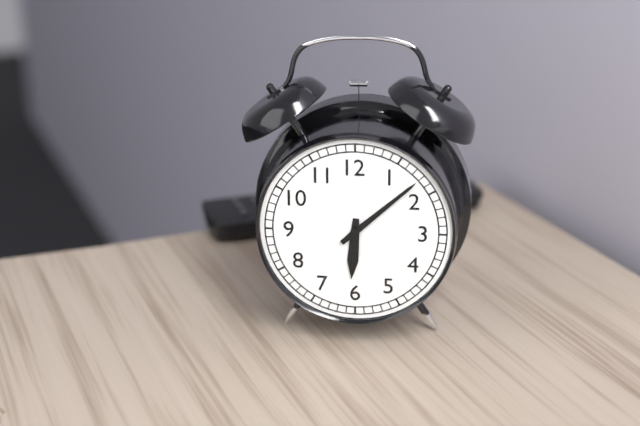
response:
h=6 m=8
